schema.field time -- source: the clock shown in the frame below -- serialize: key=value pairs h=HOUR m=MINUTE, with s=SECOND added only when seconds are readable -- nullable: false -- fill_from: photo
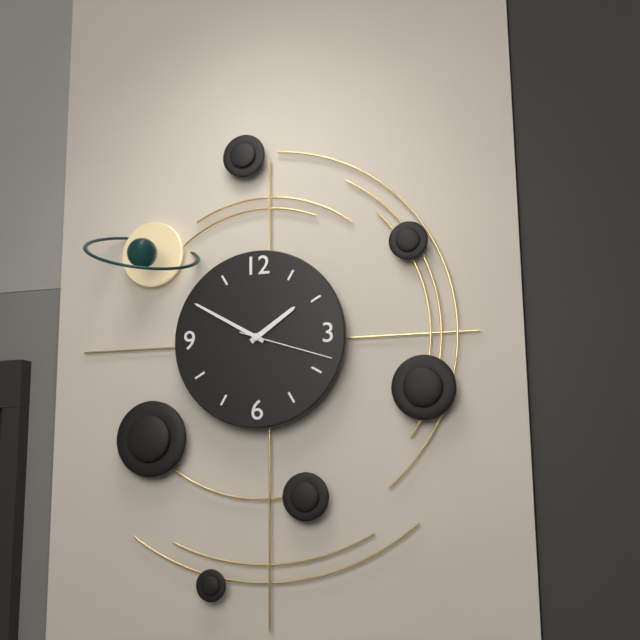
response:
h=1 m=50 s=18
